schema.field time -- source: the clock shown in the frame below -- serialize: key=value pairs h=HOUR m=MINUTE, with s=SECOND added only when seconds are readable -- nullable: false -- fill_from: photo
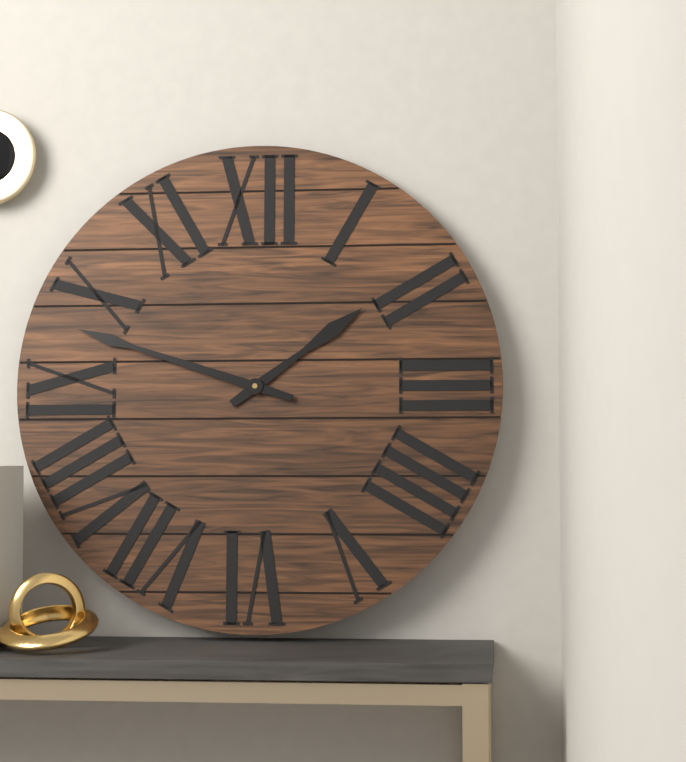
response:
h=1 m=48
